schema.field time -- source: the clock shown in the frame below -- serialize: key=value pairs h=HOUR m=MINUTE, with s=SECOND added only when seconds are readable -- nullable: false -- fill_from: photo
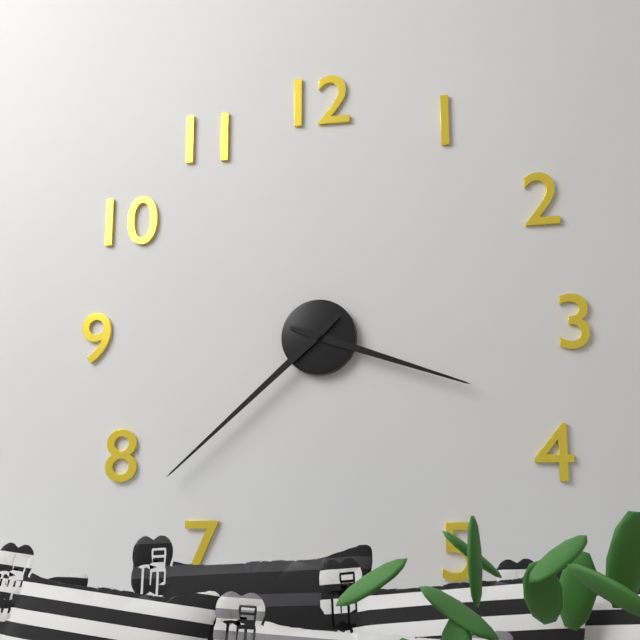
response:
h=3 m=38
